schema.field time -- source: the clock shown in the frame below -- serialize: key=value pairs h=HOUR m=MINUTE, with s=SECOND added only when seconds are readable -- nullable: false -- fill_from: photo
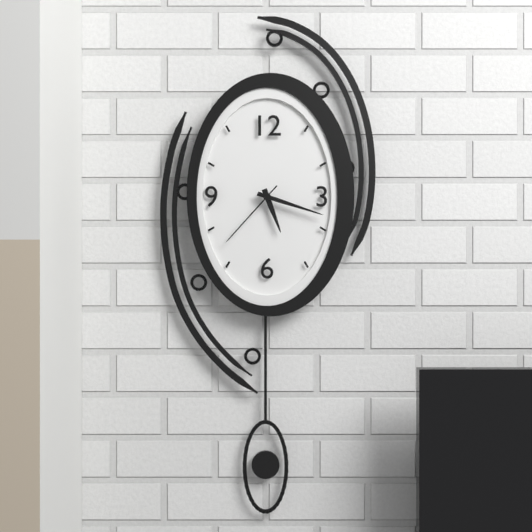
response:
h=5 m=18 s=37
